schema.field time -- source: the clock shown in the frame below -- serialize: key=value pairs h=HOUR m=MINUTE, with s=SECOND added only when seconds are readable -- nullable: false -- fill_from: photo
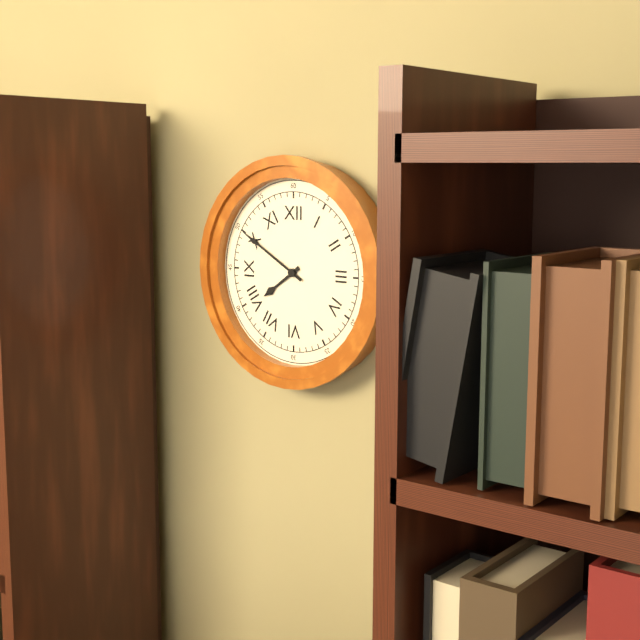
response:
h=7 m=50
